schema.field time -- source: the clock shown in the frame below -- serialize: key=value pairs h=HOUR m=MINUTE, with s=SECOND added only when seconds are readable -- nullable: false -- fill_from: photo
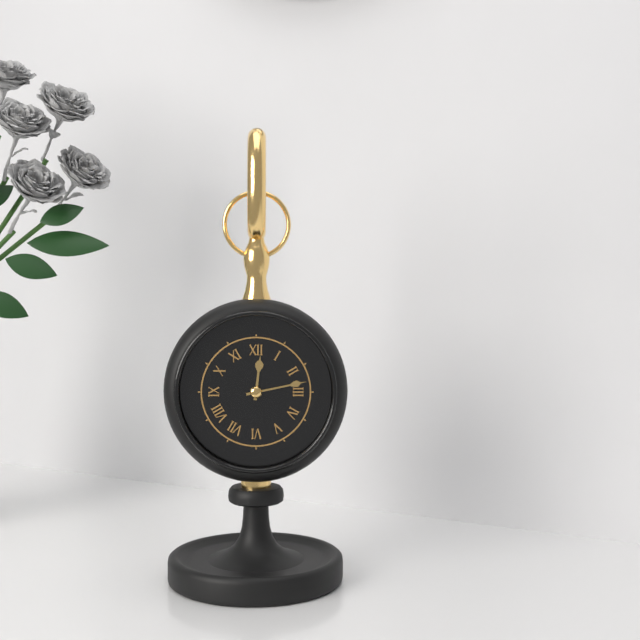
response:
h=12 m=13
